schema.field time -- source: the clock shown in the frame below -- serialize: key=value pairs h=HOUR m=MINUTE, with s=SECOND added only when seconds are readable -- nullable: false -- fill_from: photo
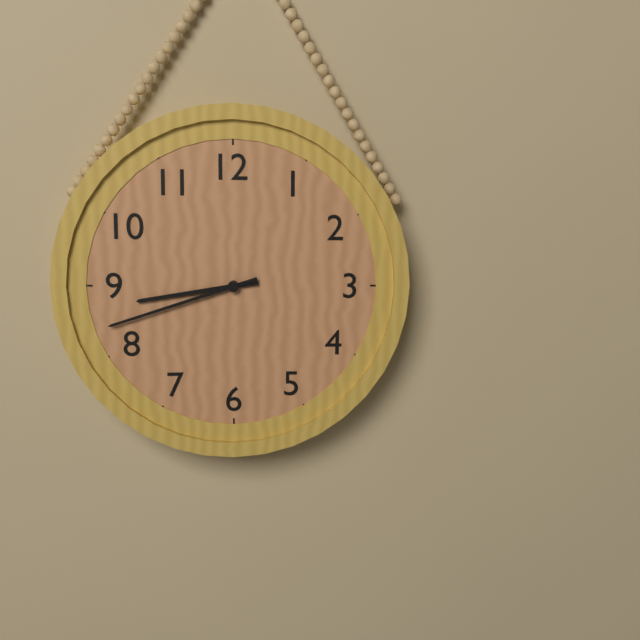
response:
h=8 m=42
